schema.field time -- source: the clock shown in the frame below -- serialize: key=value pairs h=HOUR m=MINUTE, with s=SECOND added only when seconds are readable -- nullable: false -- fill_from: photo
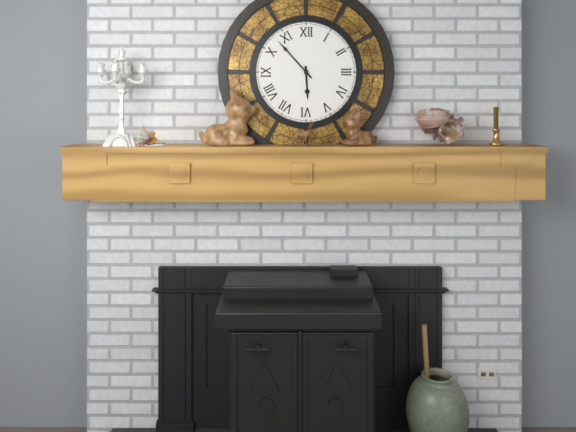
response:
h=5 m=53
